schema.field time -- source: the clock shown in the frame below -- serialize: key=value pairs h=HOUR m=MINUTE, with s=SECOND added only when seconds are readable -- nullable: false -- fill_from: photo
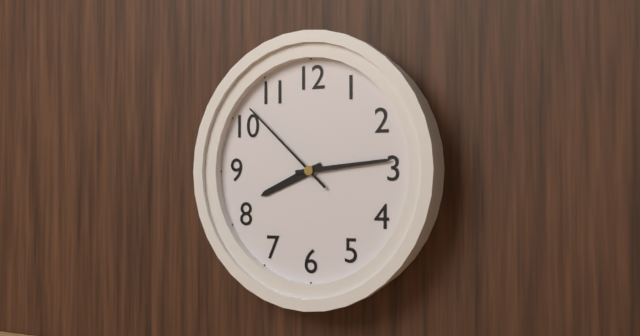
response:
h=8 m=14 s=52
